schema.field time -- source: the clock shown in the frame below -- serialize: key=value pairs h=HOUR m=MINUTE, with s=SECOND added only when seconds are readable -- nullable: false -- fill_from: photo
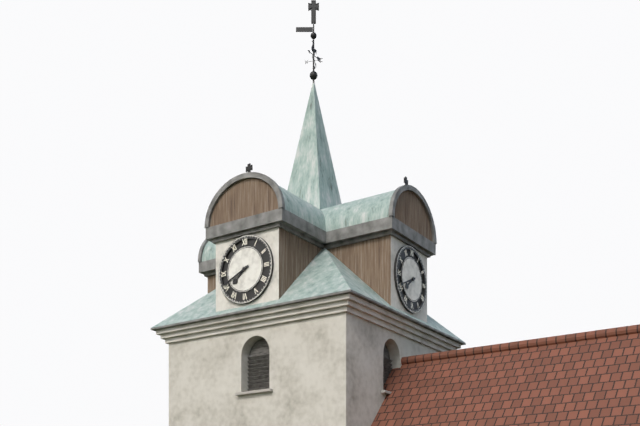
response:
h=7 m=41
